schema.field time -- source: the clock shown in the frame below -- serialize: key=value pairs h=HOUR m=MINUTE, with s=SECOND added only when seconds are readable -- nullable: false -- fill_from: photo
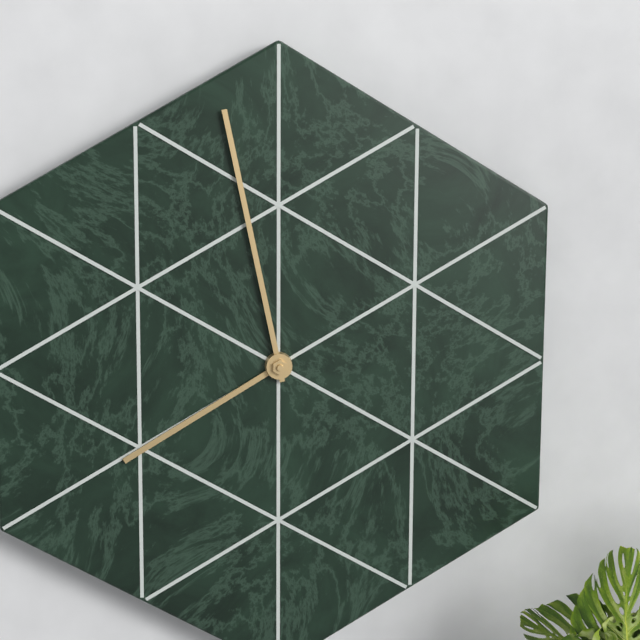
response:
h=7 m=58
